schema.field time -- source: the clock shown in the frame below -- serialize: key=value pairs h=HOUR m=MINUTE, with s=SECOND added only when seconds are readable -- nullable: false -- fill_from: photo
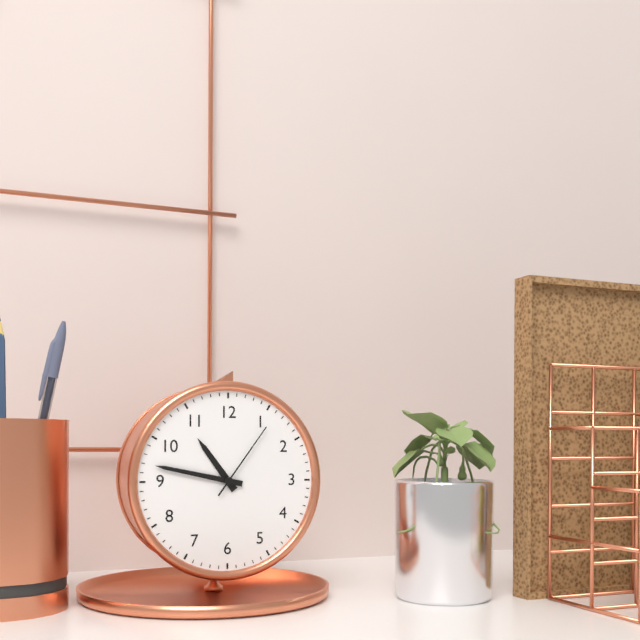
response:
h=10 m=47 s=6
